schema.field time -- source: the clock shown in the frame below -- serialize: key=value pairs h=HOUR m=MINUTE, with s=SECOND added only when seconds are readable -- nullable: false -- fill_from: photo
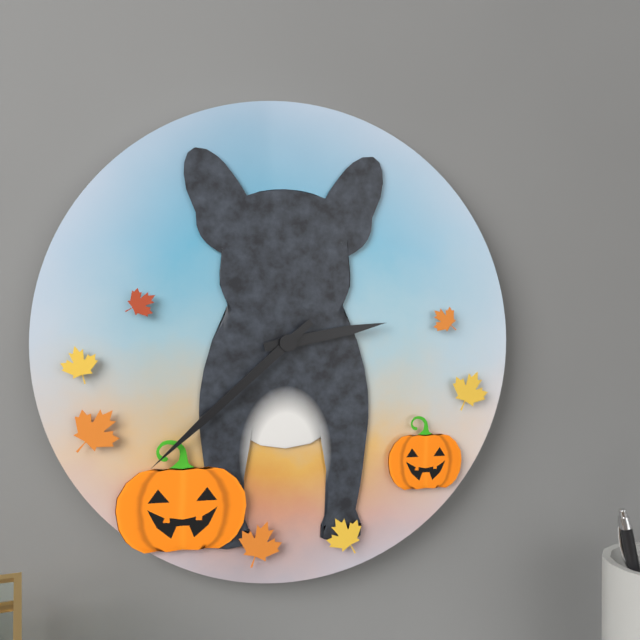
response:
h=2 m=38
